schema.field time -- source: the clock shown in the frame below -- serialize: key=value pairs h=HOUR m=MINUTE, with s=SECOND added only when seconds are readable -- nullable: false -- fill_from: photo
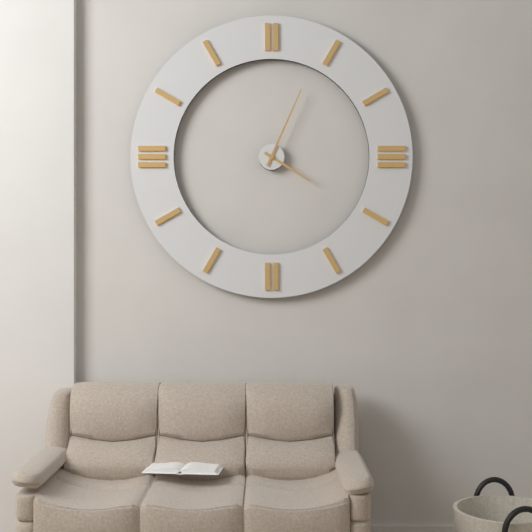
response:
h=4 m=4
